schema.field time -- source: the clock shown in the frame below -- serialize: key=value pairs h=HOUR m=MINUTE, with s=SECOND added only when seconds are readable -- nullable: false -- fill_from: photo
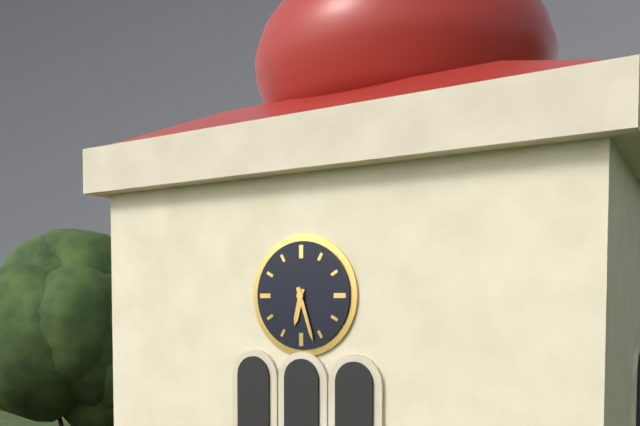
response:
h=6 m=27
